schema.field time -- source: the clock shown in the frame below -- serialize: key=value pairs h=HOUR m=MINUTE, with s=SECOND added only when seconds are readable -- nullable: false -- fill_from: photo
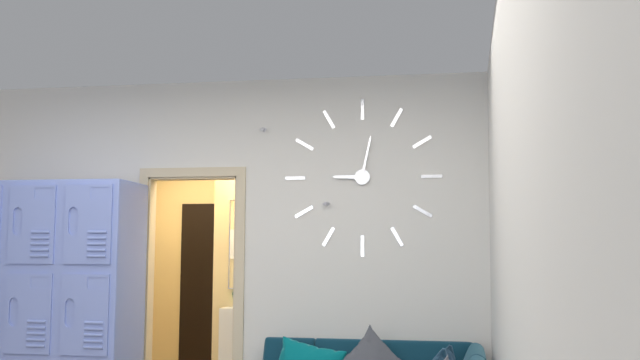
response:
h=9 m=2
